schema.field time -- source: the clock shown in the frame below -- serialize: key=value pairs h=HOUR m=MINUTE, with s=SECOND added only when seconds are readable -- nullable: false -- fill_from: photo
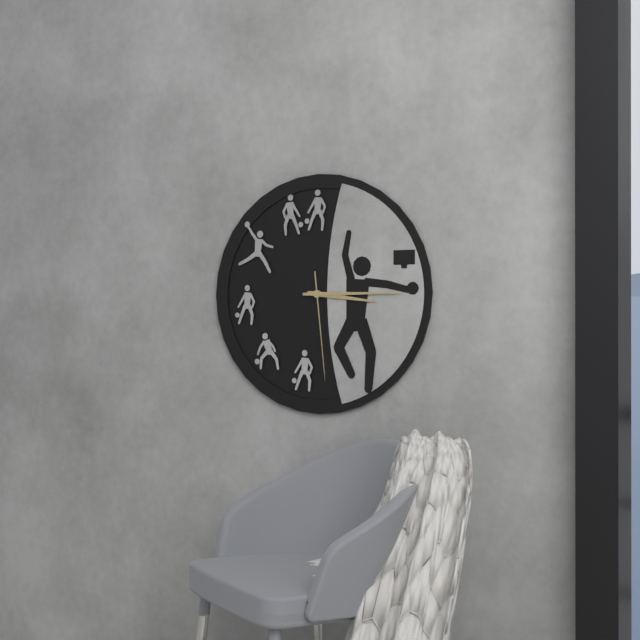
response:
h=3 m=15 s=29
